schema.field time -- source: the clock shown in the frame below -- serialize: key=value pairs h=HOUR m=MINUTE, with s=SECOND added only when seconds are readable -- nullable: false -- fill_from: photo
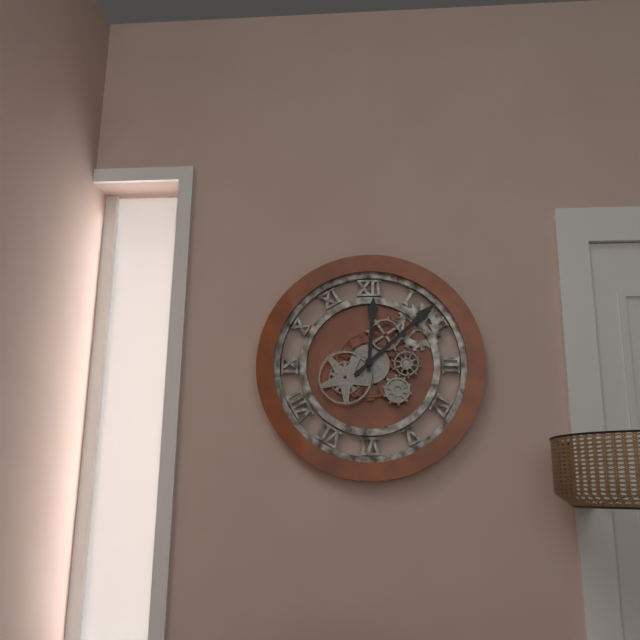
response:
h=12 m=8
